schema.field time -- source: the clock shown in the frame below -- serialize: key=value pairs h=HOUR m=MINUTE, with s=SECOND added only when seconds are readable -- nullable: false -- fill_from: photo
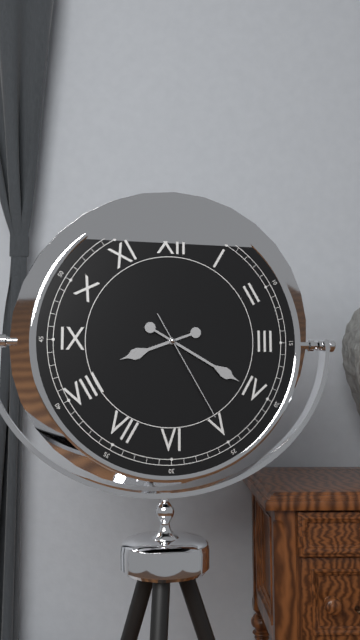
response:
h=8 m=20 s=25
